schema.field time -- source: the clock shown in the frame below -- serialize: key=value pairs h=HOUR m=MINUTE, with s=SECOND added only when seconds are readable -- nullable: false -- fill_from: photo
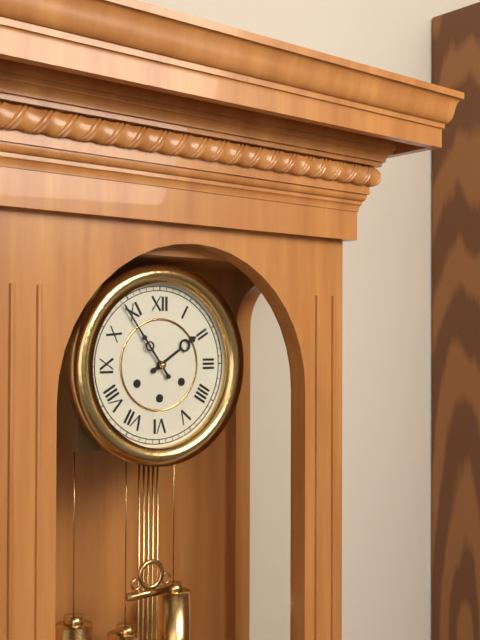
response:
h=1 m=54
